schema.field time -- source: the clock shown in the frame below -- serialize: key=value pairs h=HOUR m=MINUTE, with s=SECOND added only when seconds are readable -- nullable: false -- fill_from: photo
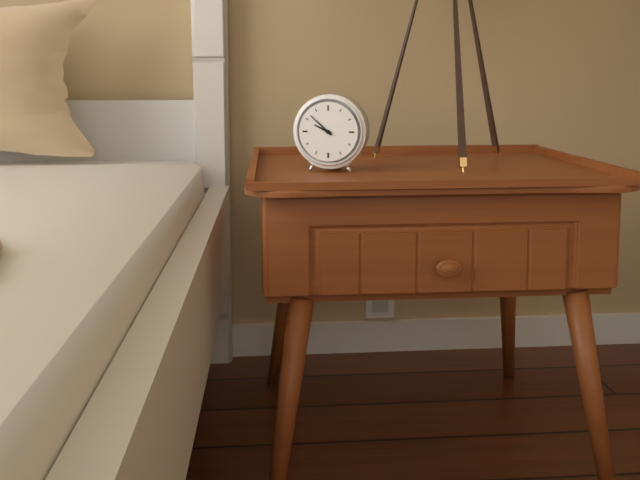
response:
h=9 m=52
